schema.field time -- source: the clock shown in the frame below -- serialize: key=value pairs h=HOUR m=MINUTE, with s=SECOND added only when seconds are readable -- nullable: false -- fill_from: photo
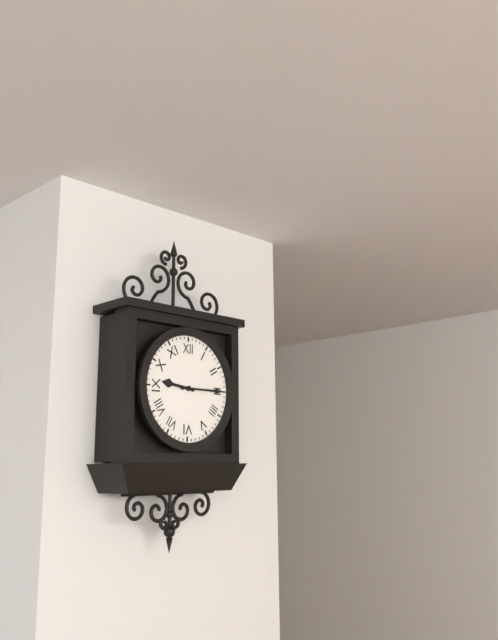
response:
h=9 m=15
